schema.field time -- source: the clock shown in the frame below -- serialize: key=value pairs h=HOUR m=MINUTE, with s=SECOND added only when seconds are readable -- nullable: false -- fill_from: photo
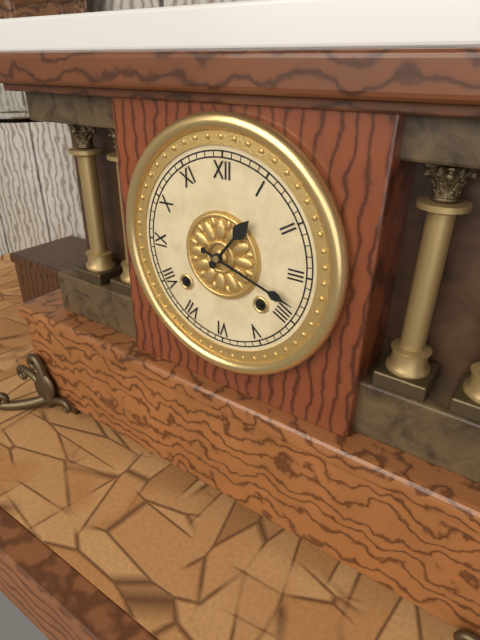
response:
h=1 m=18
